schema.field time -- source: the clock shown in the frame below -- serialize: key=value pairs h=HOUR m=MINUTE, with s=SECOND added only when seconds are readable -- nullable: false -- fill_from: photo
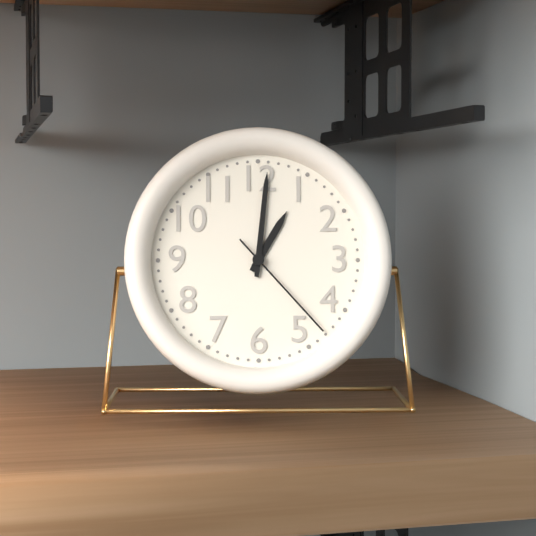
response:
h=1 m=1 s=23
